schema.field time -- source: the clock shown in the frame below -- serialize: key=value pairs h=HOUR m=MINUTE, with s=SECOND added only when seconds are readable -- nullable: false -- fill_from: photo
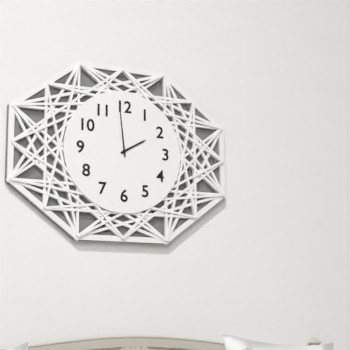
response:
h=1 m=59
